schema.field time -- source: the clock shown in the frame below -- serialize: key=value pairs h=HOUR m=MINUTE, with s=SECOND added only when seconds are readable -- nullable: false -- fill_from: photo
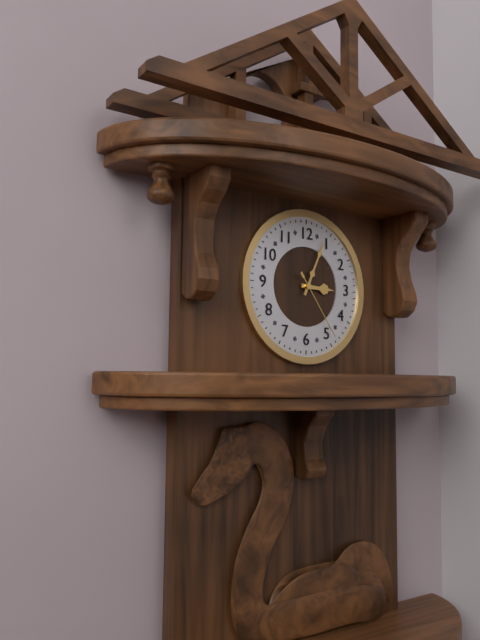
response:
h=3 m=4 s=24
